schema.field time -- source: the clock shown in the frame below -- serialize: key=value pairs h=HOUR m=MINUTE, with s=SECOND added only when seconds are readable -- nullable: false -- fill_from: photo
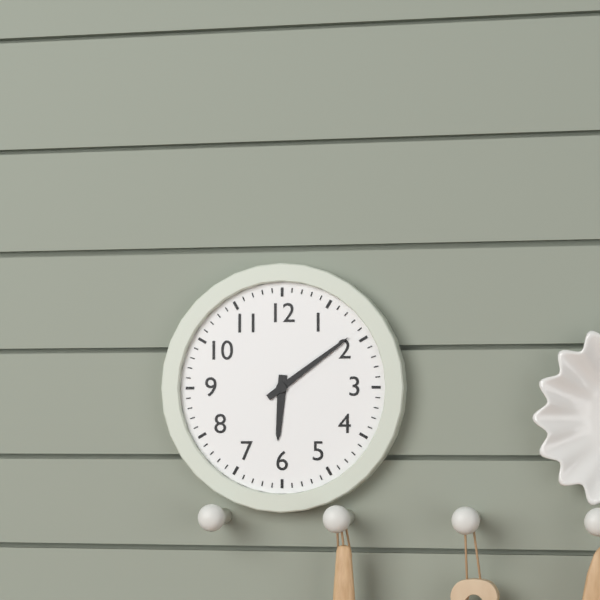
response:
h=6 m=9
